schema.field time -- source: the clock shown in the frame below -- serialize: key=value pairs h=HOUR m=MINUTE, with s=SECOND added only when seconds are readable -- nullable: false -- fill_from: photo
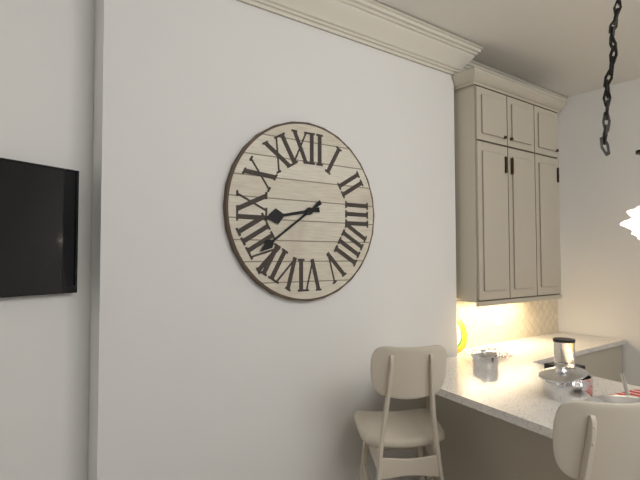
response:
h=8 m=39
